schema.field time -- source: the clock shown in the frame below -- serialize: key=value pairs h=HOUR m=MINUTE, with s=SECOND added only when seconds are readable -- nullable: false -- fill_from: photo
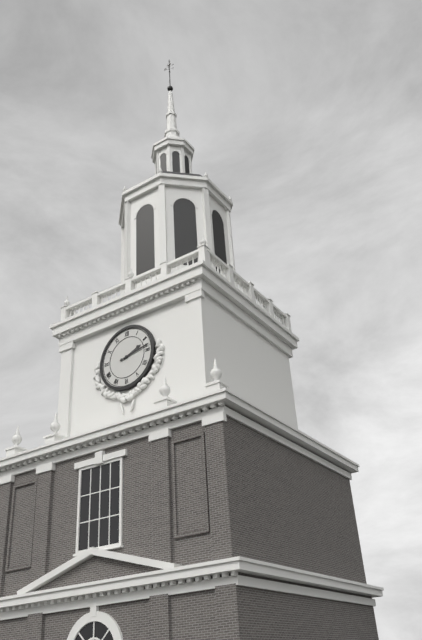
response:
h=2 m=13
